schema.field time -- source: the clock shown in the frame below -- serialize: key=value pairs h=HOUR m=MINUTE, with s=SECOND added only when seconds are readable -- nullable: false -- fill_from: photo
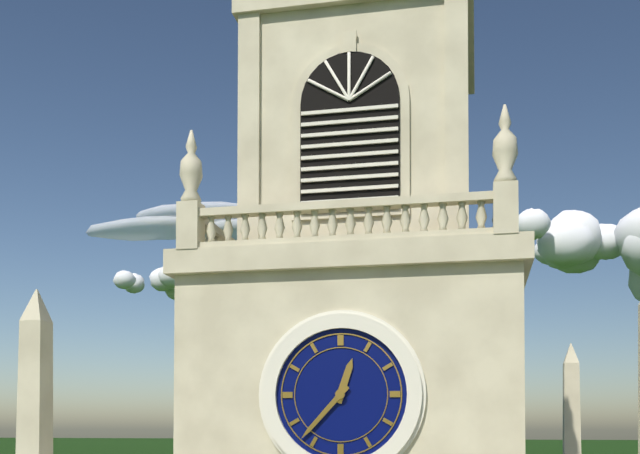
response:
h=12 m=37
